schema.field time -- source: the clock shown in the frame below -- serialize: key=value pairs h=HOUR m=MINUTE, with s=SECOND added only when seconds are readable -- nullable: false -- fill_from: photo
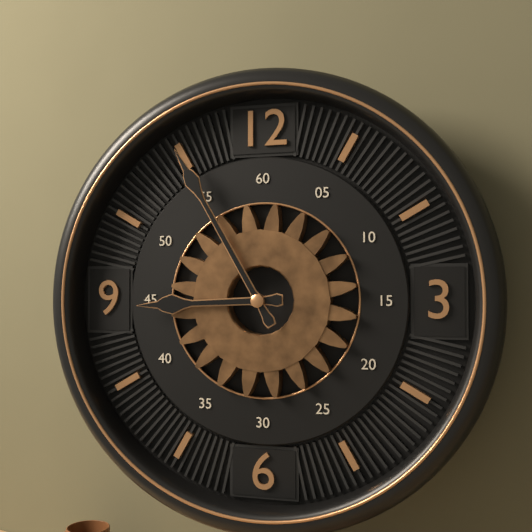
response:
h=8 m=55
